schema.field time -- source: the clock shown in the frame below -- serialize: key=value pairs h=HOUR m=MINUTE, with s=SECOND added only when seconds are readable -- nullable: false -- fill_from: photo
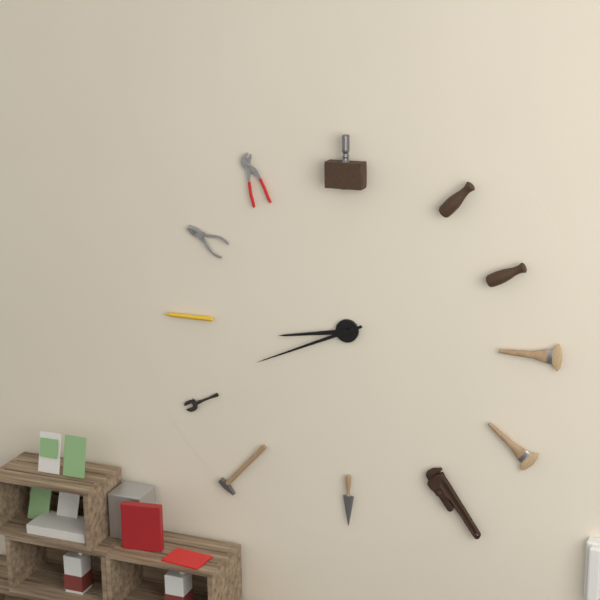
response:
h=8 m=41
